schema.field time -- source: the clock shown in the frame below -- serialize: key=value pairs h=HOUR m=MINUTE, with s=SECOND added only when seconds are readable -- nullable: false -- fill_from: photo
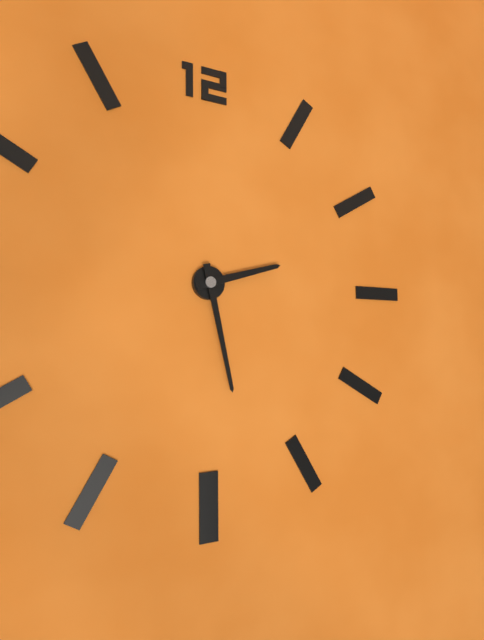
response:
h=2 m=28
